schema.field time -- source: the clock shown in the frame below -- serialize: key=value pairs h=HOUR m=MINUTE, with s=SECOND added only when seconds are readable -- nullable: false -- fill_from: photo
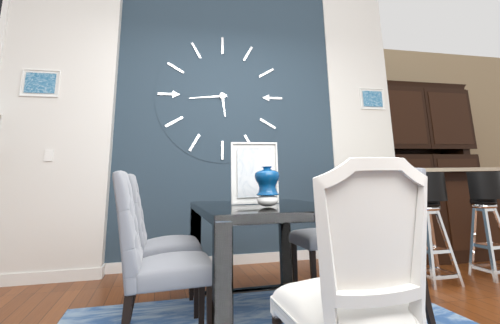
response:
h=5 m=44
